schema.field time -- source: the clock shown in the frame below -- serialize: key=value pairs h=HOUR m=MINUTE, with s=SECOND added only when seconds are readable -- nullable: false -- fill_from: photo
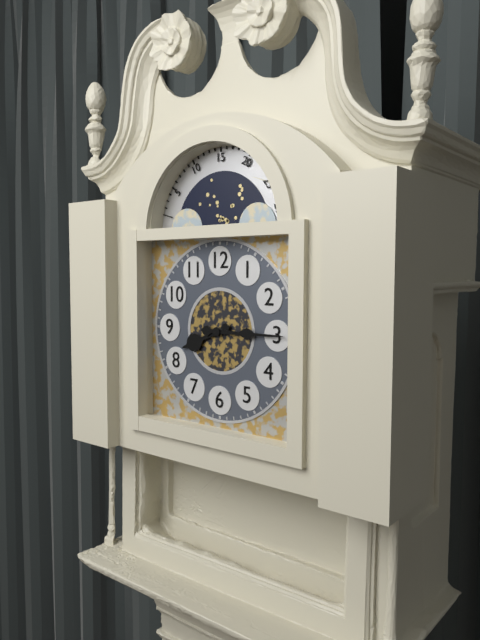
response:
h=8 m=15
